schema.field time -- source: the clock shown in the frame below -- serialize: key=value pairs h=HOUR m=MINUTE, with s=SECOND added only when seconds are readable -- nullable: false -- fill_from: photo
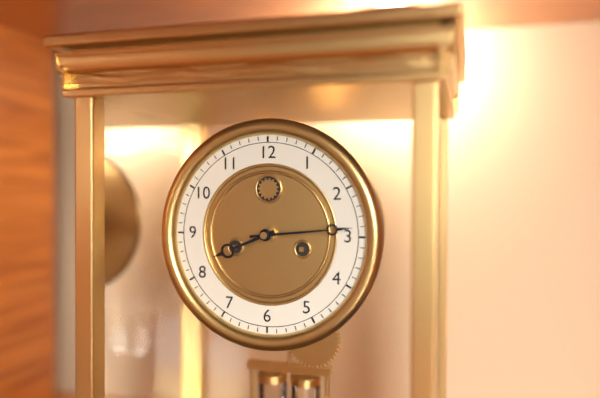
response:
h=8 m=14
